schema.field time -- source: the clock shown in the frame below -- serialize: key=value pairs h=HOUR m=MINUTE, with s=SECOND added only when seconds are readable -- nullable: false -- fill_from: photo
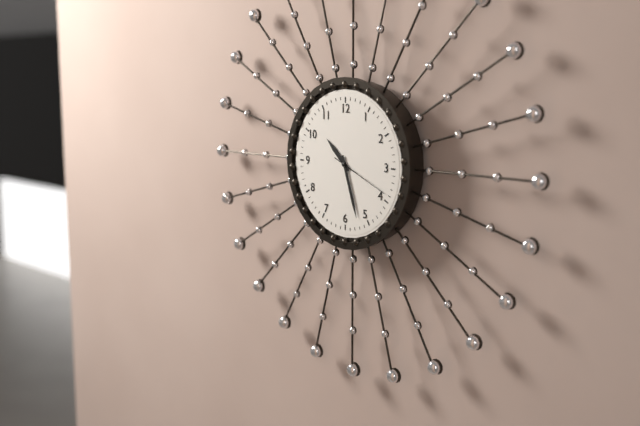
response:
h=10 m=27 s=19
